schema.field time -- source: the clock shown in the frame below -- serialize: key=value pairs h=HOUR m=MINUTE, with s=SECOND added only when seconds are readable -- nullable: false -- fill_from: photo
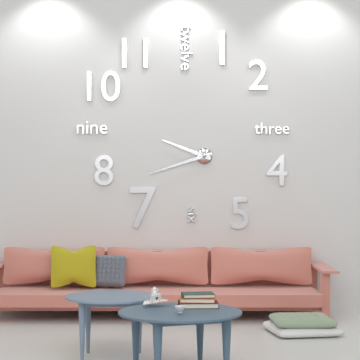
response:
h=9 m=42
